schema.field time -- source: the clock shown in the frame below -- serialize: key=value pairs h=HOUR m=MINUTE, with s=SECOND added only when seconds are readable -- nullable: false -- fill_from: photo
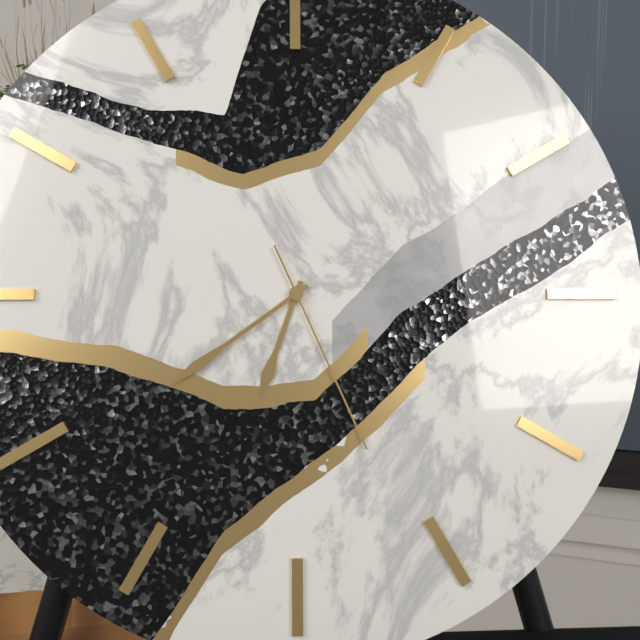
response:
h=6 m=39 s=26
